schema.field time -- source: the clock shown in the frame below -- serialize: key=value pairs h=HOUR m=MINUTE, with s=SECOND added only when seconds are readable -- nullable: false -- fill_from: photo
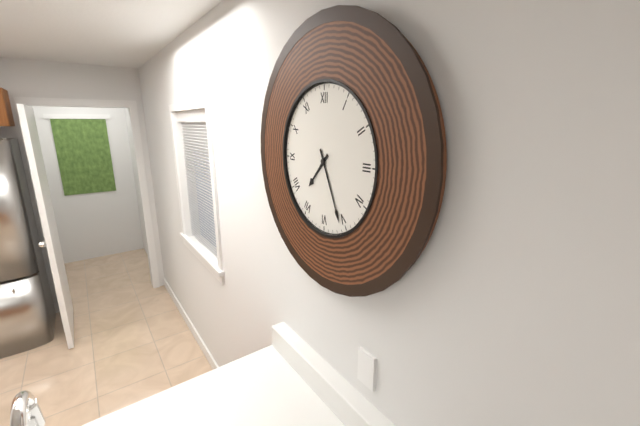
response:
h=7 m=26
